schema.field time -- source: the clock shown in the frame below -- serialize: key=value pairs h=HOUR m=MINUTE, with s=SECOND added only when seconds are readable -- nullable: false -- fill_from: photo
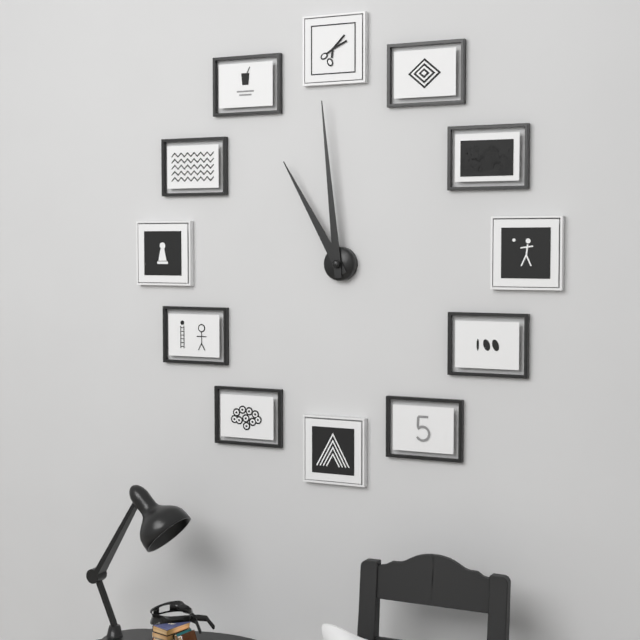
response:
h=10 m=59
